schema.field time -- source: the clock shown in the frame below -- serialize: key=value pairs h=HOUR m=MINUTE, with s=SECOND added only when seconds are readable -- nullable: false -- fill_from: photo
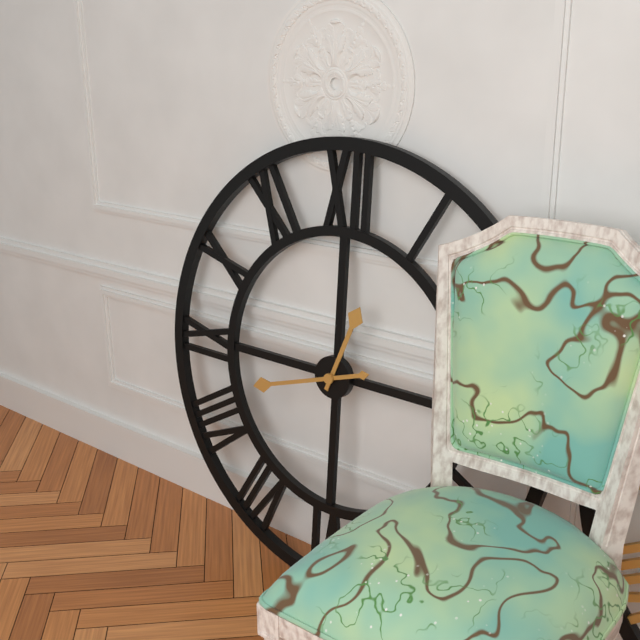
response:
h=12 m=42
